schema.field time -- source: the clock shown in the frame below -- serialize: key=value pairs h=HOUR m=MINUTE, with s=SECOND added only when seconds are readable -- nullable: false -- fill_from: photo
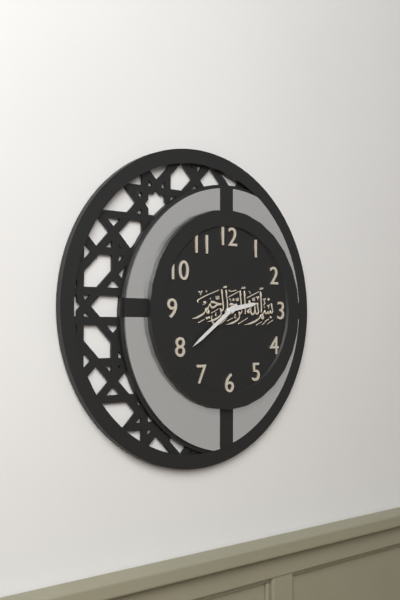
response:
h=2 m=39
